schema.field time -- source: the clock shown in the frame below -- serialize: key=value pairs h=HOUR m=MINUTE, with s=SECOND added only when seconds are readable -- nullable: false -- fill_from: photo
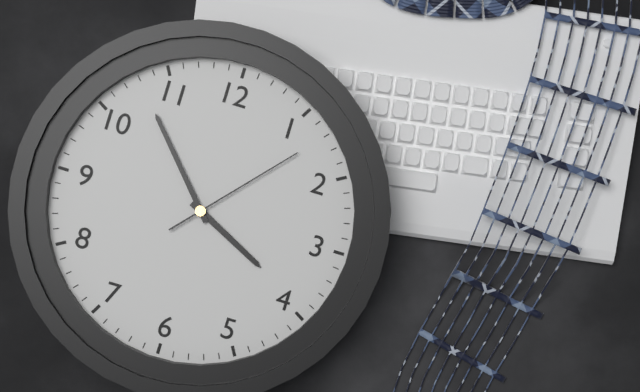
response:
h=3 m=53 s=7
